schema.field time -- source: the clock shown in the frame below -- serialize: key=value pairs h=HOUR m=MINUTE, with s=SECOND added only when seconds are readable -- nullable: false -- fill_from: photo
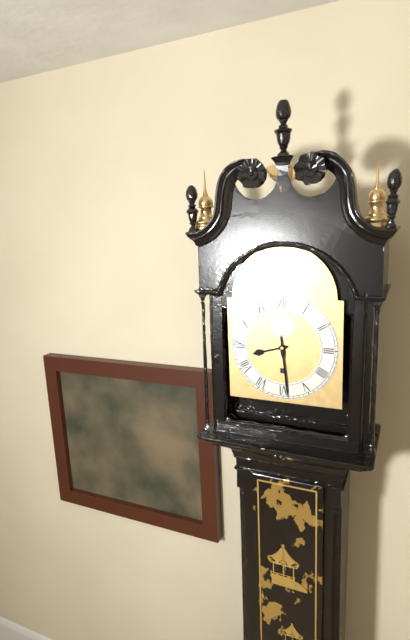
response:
h=8 m=29
